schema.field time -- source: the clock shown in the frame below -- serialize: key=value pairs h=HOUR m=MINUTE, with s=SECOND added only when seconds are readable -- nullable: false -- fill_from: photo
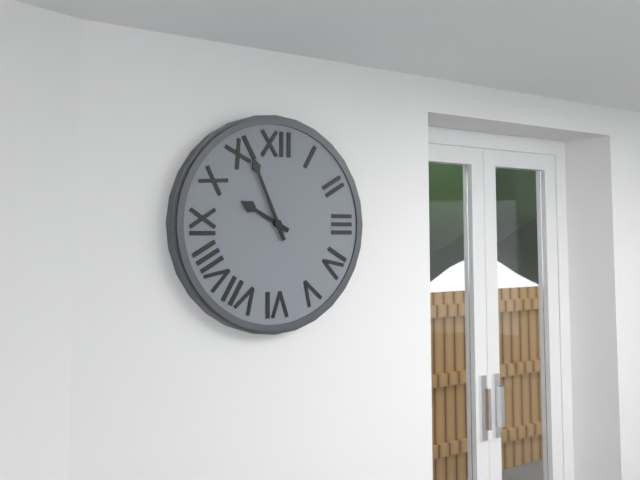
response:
h=9 m=56
